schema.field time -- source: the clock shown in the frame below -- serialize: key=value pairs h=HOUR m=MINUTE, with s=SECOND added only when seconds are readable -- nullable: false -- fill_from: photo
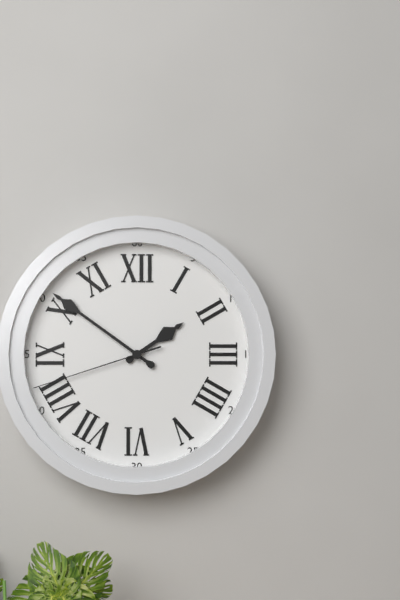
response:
h=1 m=51 s=42
